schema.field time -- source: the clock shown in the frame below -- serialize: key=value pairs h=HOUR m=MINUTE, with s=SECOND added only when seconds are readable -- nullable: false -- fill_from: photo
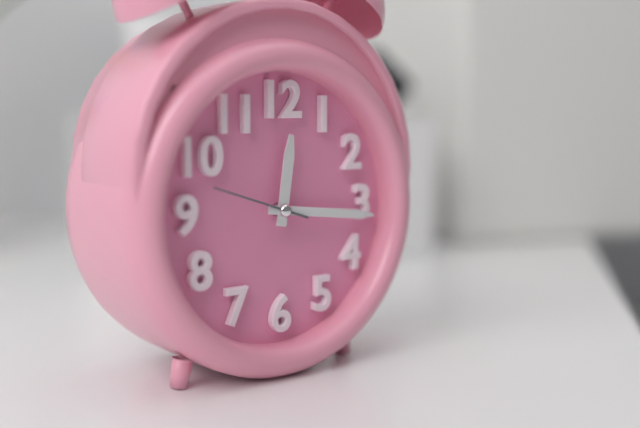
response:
h=12 m=16 s=48
